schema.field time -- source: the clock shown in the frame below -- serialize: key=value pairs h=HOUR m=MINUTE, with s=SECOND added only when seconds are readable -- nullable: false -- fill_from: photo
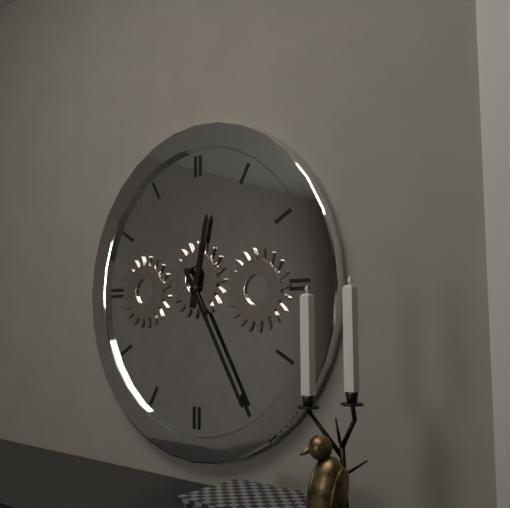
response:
h=12 m=25
